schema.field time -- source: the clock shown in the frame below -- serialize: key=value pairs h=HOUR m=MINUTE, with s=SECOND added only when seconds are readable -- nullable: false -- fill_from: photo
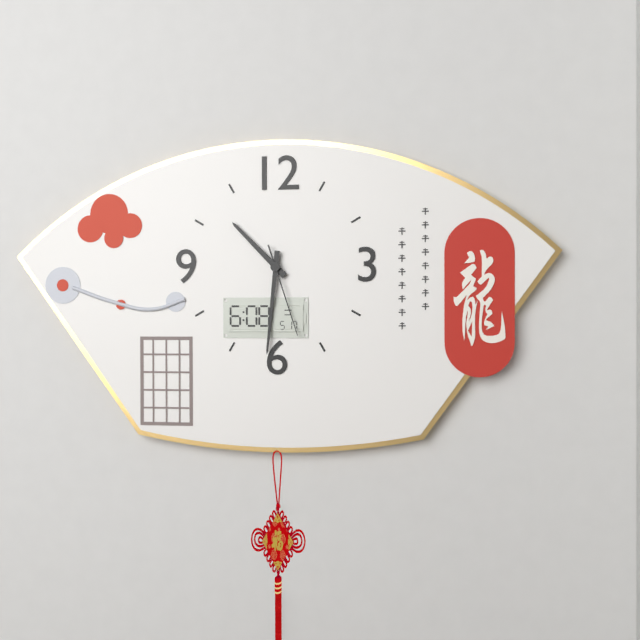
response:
h=10 m=31 s=27
